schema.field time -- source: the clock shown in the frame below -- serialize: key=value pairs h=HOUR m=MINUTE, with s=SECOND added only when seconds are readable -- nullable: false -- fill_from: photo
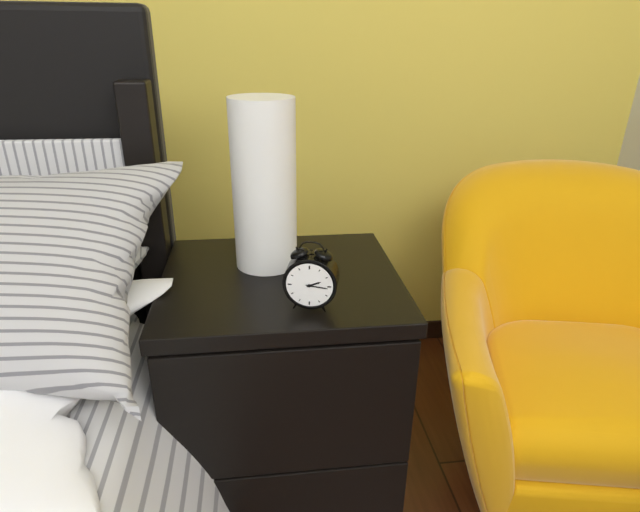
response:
h=2 m=16
